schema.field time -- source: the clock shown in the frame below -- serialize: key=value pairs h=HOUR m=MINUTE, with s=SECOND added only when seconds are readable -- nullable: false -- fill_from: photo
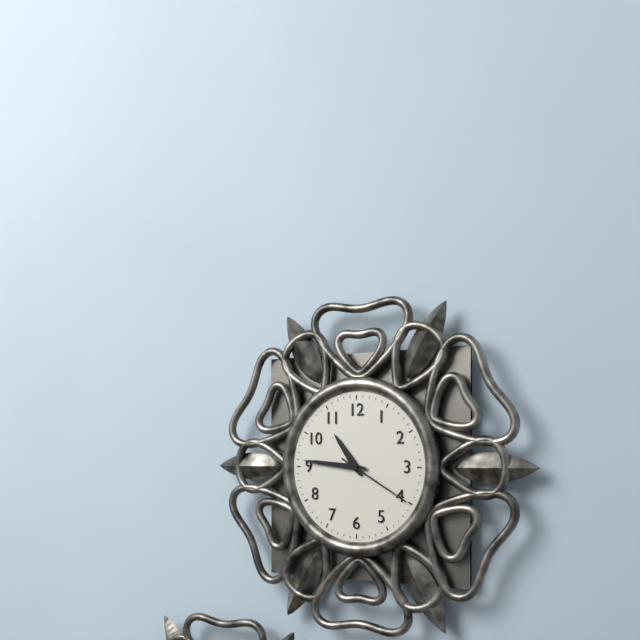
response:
h=10 m=46 s=20
